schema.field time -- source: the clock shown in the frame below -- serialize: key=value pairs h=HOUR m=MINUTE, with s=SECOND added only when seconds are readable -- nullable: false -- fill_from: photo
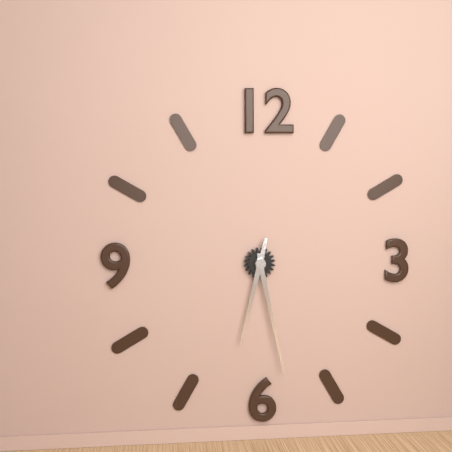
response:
h=6 m=28
